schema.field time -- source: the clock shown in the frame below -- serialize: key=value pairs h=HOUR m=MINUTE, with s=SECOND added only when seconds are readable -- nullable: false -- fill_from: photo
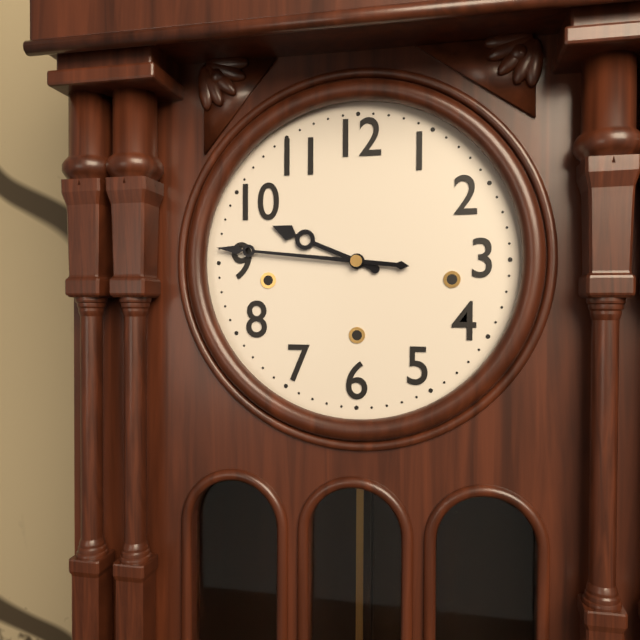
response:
h=9 m=46
